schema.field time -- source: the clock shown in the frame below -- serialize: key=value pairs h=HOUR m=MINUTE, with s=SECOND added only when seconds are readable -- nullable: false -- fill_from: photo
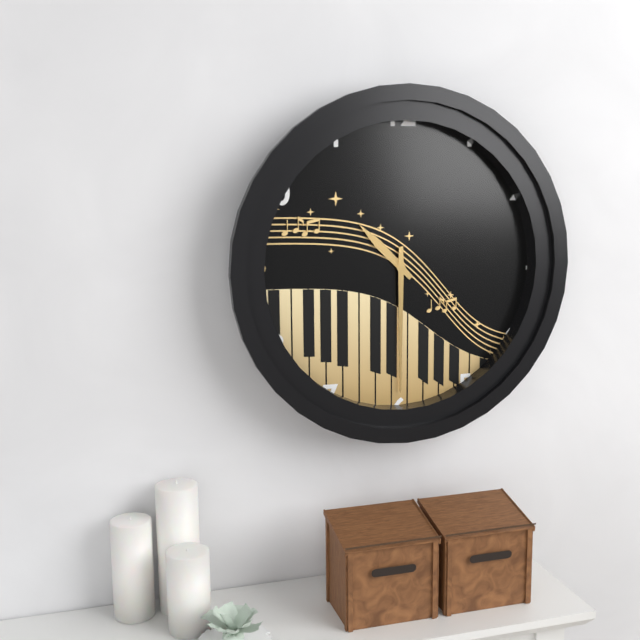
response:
h=10 m=30
